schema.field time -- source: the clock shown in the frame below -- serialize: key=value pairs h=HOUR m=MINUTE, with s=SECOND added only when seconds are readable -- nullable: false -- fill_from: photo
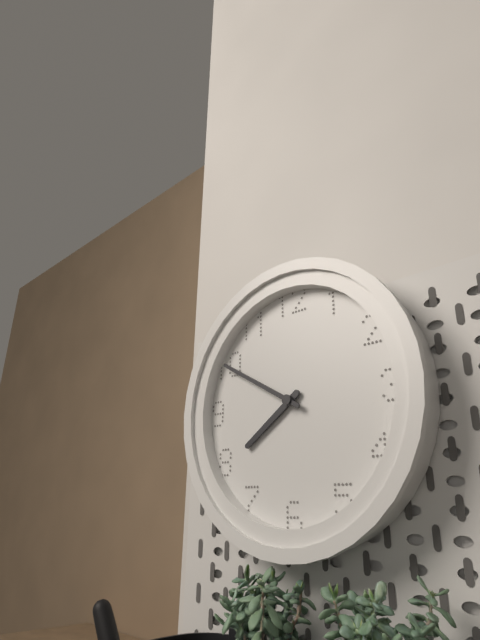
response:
h=7 m=50
